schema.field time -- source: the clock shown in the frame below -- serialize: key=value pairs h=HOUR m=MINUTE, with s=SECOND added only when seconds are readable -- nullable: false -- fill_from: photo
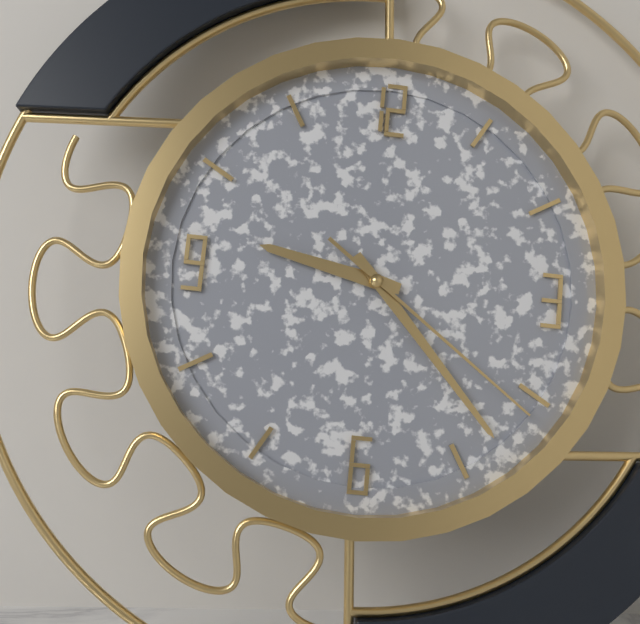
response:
h=9 m=23 s=21
